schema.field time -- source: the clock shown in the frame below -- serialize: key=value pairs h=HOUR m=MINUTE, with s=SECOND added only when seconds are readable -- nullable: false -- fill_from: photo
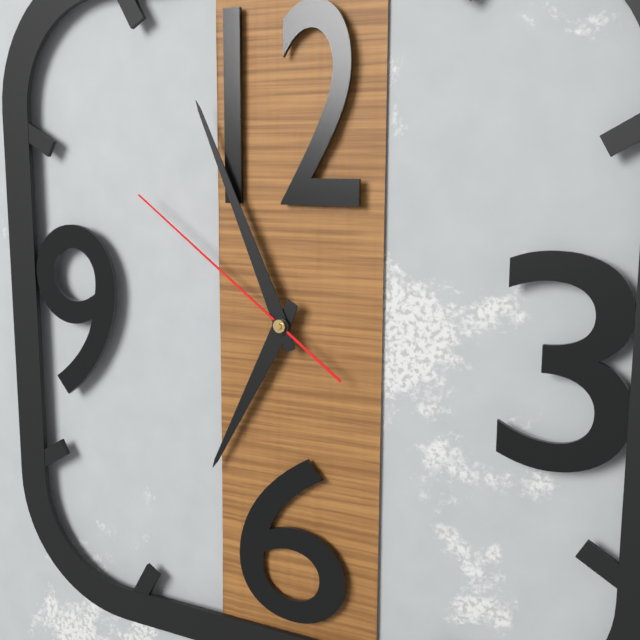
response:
h=6 m=56 s=51
